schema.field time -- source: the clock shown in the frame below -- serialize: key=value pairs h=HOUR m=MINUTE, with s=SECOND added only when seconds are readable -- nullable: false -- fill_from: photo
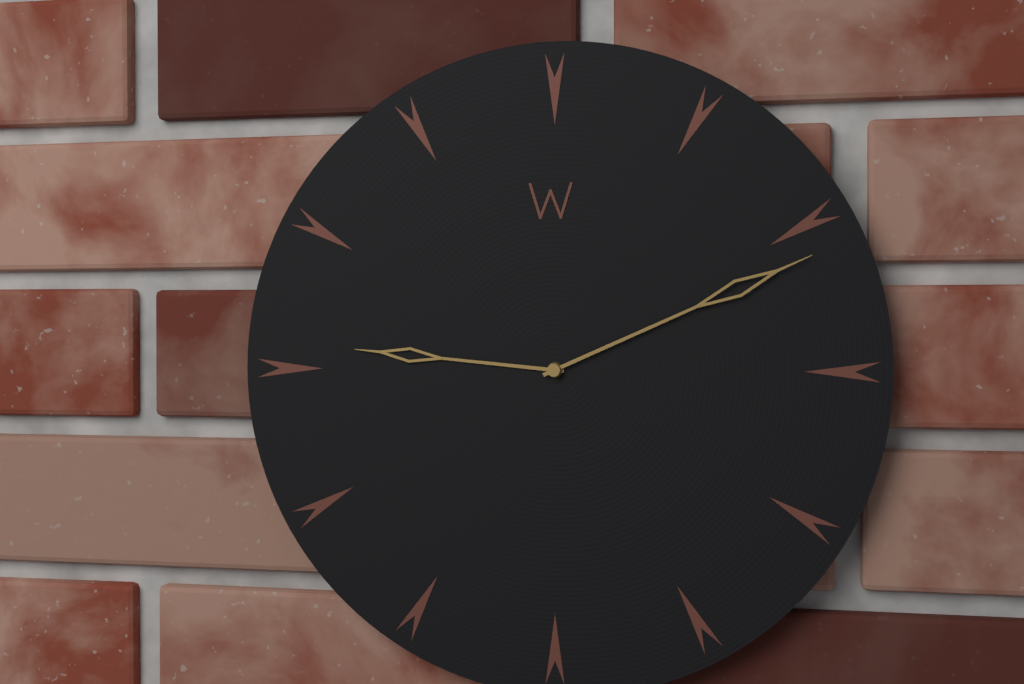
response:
h=9 m=11
